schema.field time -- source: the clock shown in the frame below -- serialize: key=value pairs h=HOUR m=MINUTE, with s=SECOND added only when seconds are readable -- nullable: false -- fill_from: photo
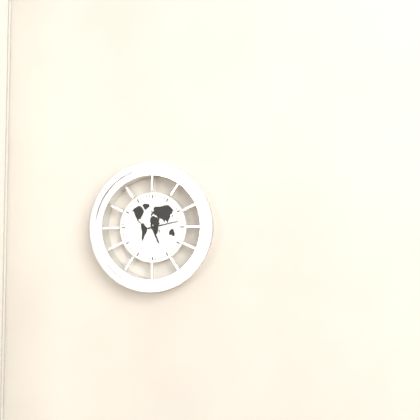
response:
h=5 m=13
